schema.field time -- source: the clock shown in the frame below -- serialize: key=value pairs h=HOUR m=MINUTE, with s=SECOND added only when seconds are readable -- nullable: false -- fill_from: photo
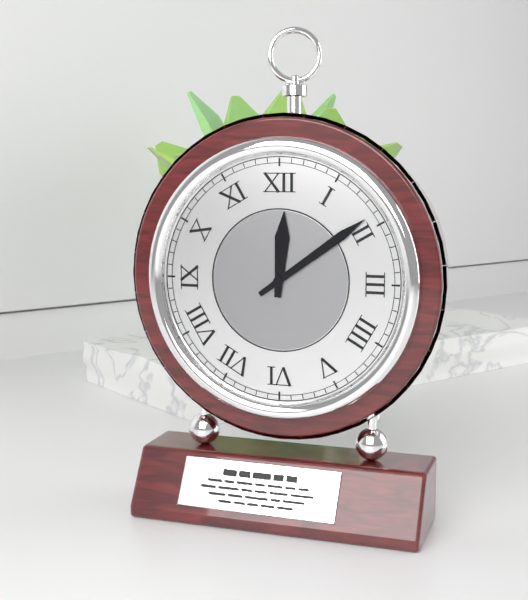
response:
h=12 m=9
